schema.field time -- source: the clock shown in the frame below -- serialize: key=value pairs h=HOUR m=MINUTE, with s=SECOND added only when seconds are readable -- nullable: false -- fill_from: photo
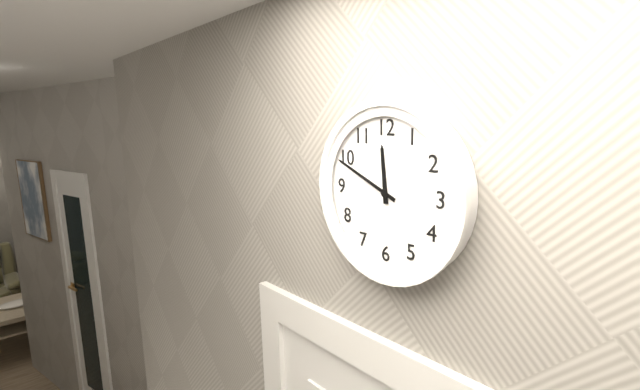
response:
h=11 m=49
